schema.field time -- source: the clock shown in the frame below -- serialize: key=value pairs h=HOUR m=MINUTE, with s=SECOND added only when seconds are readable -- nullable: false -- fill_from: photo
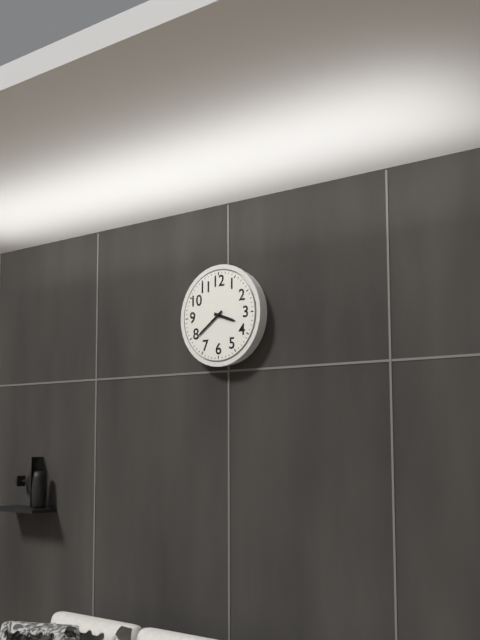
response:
h=3 m=39
